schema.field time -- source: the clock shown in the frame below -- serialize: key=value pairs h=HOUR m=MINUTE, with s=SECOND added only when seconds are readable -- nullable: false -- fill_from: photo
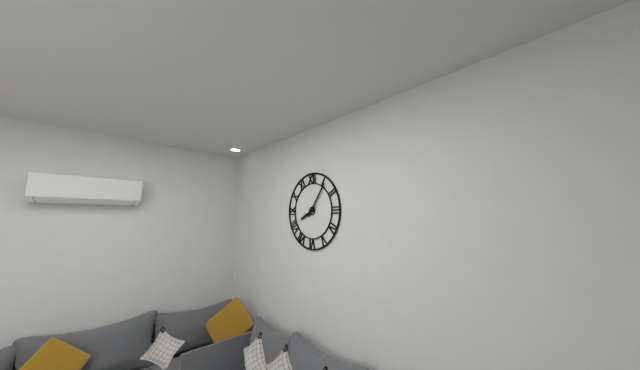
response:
h=8 m=6
